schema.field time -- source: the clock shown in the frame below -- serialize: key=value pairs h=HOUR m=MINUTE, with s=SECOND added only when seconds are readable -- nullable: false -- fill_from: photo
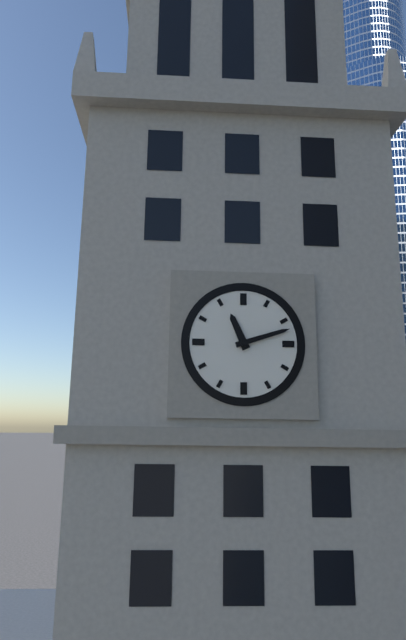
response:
h=11 m=12
